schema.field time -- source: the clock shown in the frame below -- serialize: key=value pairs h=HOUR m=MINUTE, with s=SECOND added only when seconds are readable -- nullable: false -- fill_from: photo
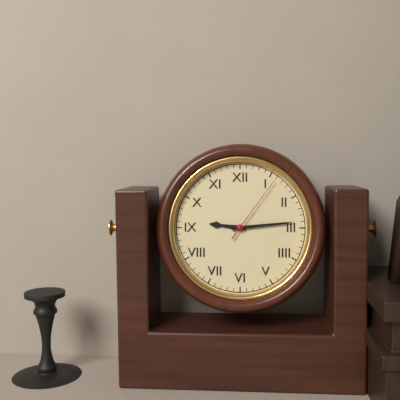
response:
h=9 m=14 s=6
